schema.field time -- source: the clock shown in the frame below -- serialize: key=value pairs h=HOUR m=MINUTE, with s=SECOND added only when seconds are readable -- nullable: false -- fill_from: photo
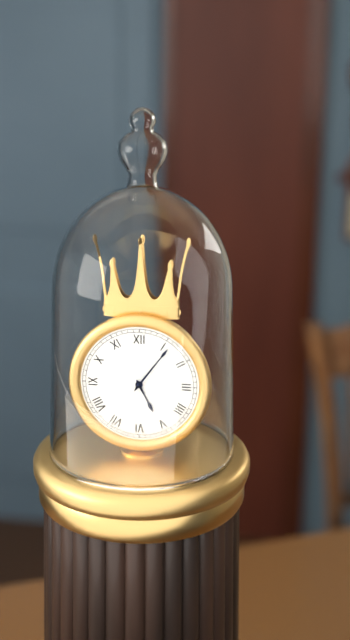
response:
h=5 m=6
